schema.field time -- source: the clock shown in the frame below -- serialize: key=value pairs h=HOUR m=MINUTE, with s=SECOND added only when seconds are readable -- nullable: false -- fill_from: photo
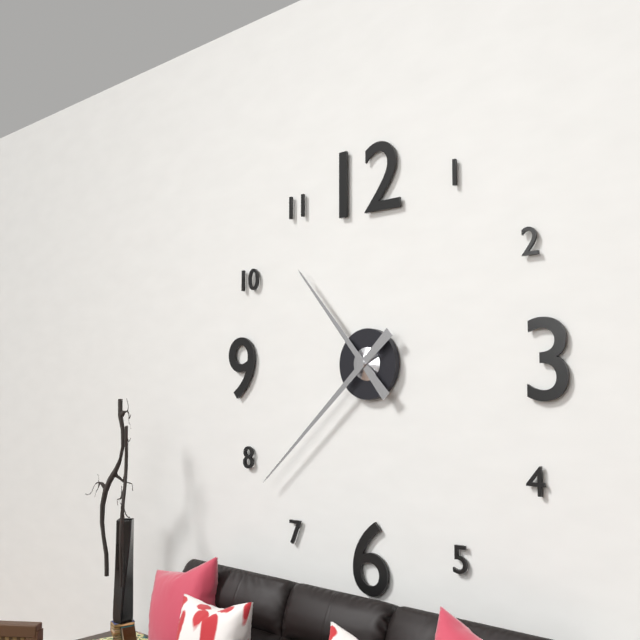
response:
h=10 m=38
